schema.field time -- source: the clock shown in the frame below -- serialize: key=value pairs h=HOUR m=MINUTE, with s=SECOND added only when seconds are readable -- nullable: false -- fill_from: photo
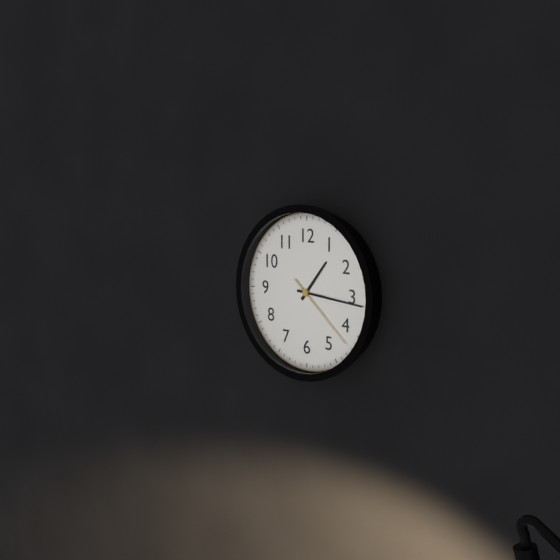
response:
h=1 m=16 s=22
